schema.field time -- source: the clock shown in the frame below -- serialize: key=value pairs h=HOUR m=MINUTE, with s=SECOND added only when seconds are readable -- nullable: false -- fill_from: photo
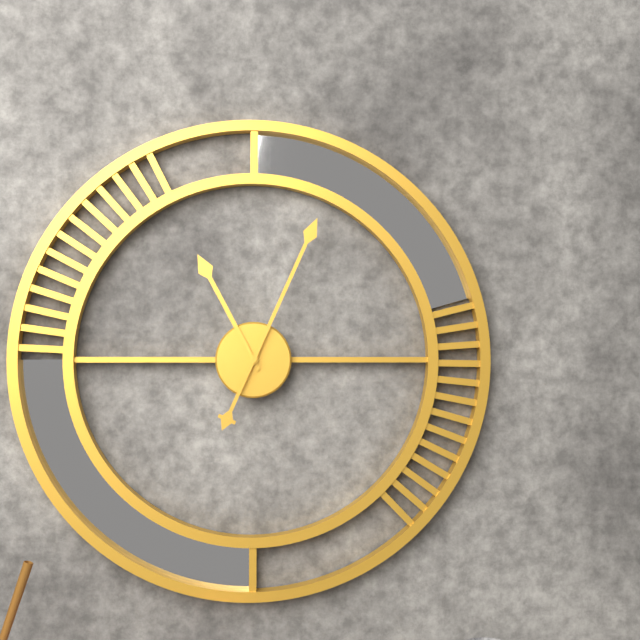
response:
h=11 m=4
